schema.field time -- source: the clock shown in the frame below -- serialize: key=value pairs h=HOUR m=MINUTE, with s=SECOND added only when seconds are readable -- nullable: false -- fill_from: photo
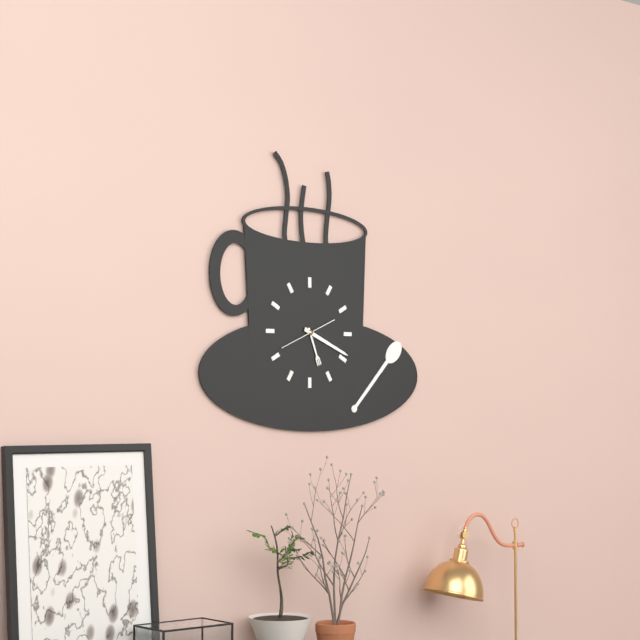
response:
h=5 m=19
